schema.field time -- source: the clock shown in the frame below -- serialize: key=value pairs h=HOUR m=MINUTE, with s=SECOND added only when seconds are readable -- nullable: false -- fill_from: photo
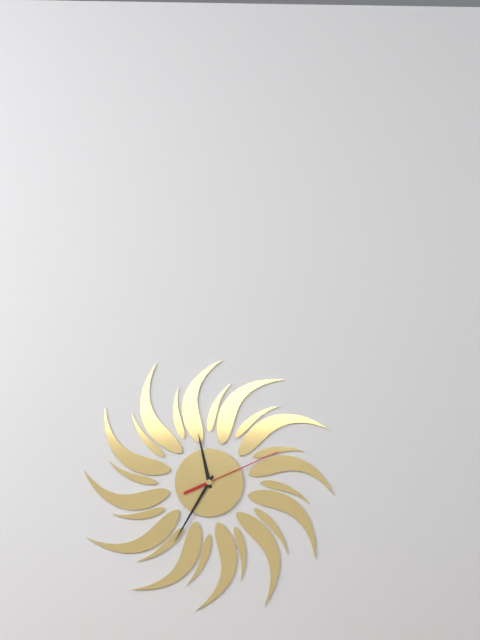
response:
h=11 m=35 s=11
